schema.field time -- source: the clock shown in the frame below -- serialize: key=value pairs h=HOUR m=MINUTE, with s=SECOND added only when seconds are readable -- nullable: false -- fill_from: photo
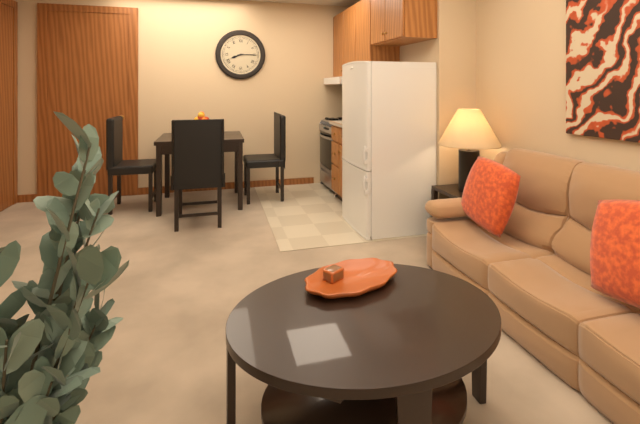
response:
h=8 m=15
